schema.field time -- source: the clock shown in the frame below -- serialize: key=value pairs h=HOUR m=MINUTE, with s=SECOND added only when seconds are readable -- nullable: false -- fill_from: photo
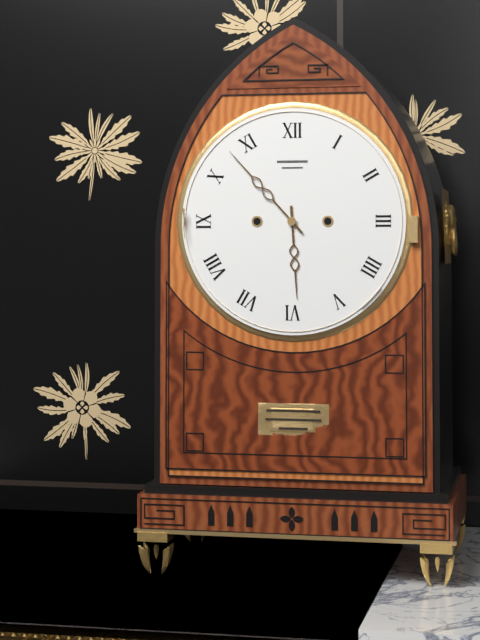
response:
h=5 m=53
